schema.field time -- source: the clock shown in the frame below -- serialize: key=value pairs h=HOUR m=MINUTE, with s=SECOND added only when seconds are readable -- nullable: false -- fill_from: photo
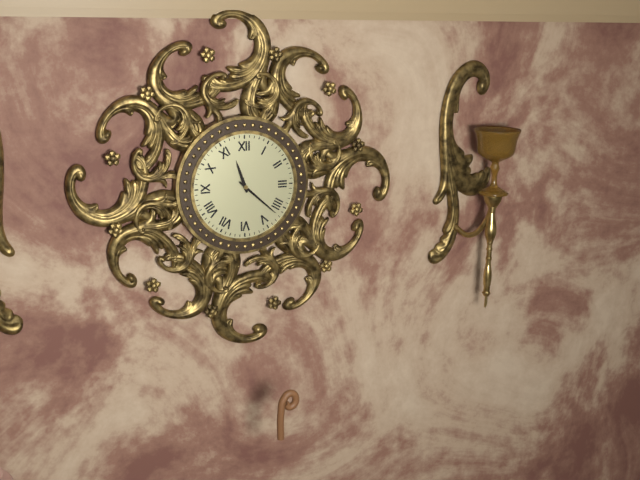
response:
h=11 m=22
